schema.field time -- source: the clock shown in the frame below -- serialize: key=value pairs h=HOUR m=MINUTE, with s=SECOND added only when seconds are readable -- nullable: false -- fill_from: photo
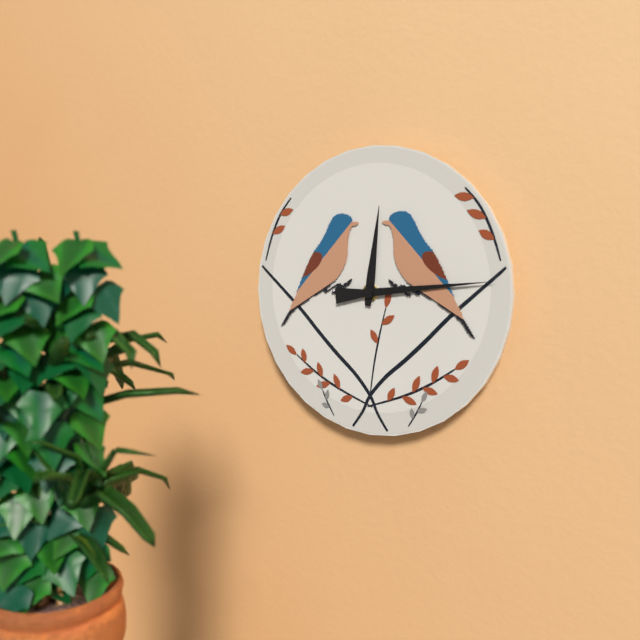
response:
h=12 m=14
